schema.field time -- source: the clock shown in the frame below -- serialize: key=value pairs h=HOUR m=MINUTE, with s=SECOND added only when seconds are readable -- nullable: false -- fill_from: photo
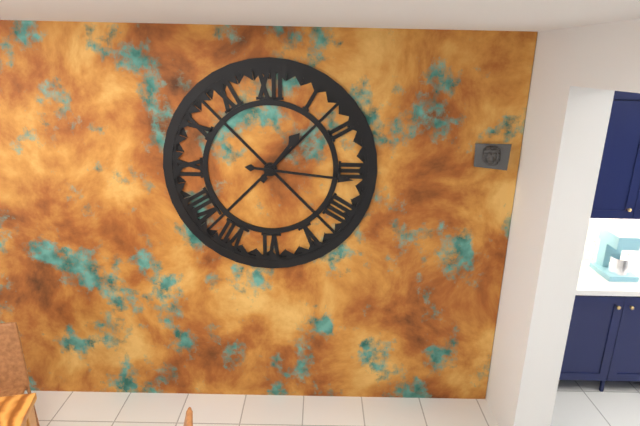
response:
h=1 m=16
